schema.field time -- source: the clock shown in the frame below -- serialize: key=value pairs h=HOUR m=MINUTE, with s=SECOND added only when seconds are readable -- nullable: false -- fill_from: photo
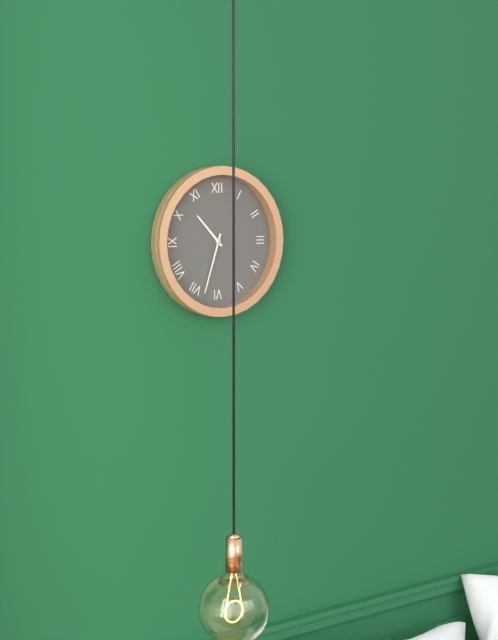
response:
h=10 m=33
